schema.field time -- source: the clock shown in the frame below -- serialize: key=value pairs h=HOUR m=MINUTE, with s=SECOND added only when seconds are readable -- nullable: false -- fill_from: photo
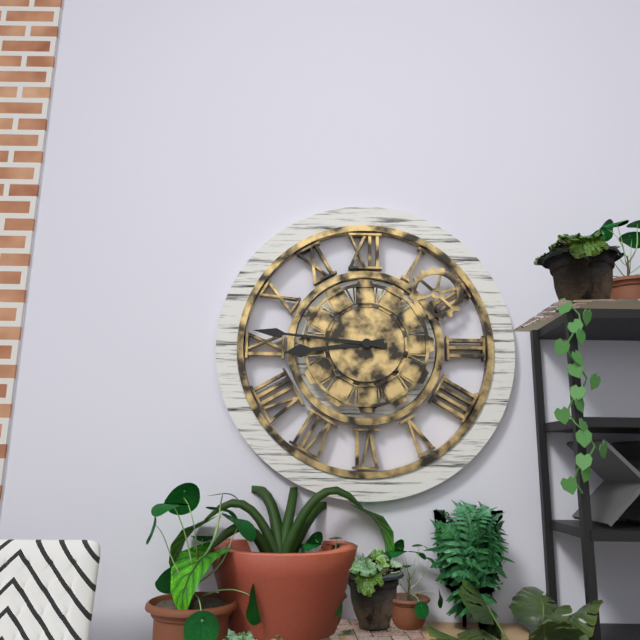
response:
h=8 m=46
